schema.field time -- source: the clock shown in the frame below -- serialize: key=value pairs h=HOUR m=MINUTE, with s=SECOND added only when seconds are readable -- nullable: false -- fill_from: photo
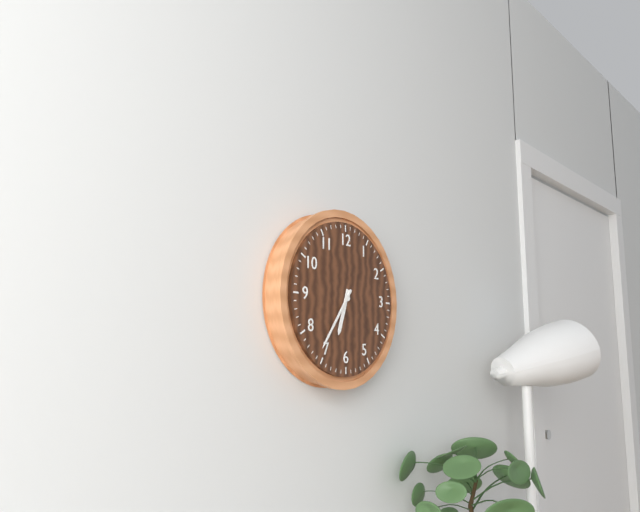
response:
h=6 m=36
